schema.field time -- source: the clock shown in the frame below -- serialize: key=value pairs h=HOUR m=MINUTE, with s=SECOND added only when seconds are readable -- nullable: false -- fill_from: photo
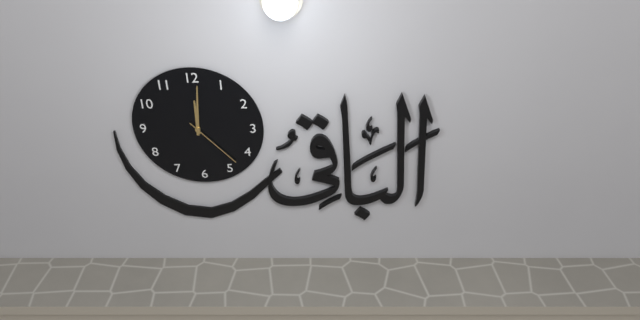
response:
h=12 m=1 s=23
